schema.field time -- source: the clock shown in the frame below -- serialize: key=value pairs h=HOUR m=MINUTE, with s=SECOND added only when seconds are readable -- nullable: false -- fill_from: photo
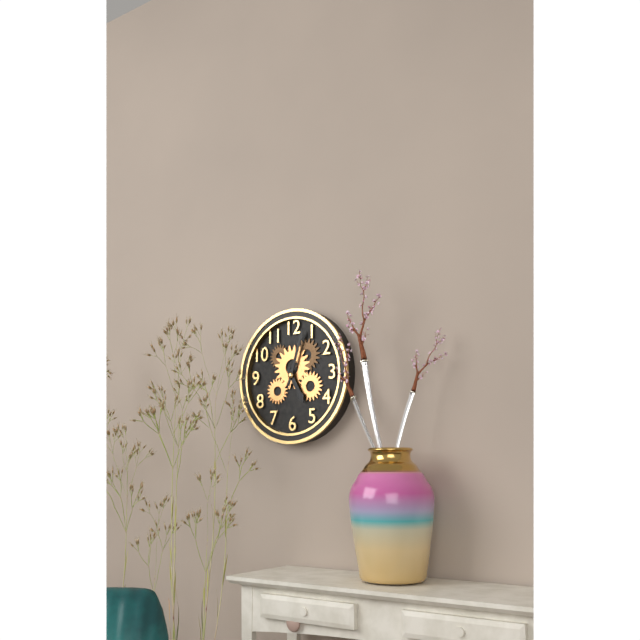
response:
h=5 m=3
